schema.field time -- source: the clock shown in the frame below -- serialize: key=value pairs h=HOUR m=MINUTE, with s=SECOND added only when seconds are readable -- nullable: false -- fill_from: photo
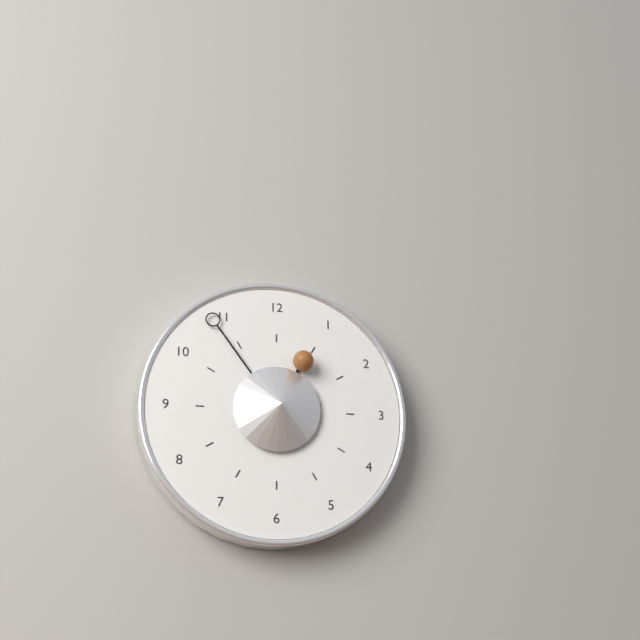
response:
h=12 m=54
